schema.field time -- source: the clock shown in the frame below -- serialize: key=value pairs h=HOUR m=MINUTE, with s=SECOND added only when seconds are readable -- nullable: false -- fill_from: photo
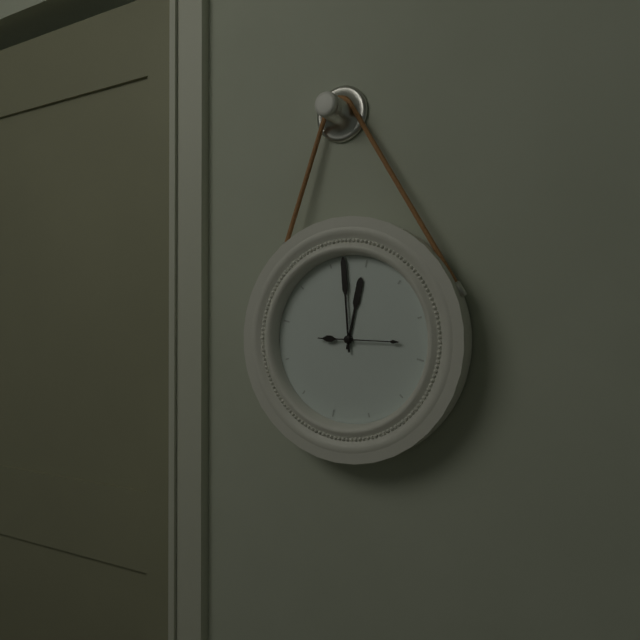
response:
h=11 m=57 s=13
